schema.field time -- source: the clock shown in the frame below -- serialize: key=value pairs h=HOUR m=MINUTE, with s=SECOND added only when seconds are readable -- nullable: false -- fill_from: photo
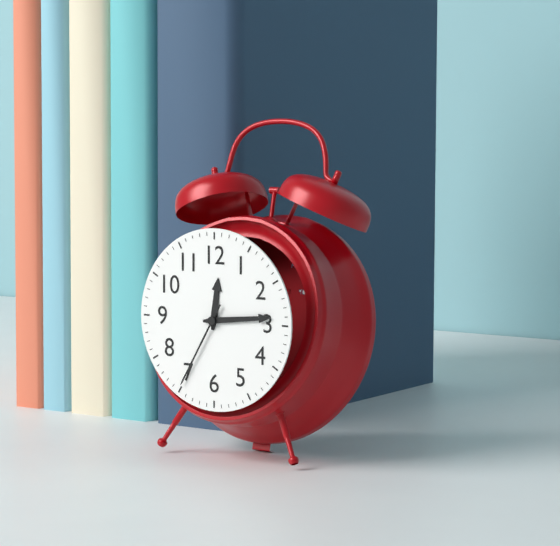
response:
h=12 m=14 s=35
